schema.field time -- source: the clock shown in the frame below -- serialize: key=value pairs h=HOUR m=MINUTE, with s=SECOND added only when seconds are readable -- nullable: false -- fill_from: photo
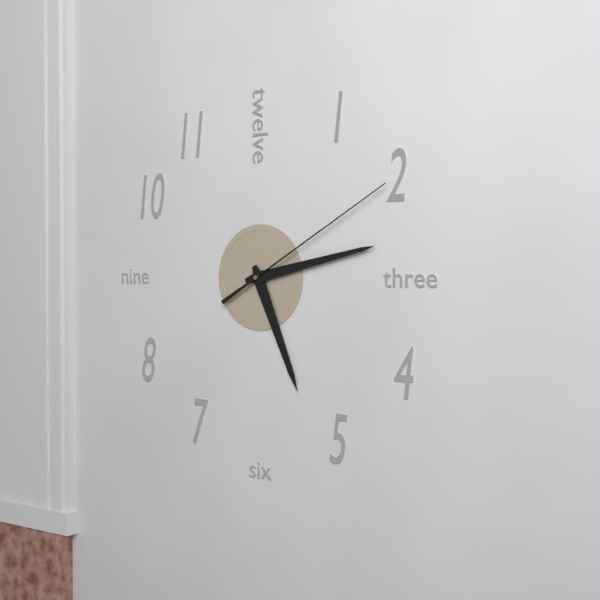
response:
h=5 m=13 s=10
